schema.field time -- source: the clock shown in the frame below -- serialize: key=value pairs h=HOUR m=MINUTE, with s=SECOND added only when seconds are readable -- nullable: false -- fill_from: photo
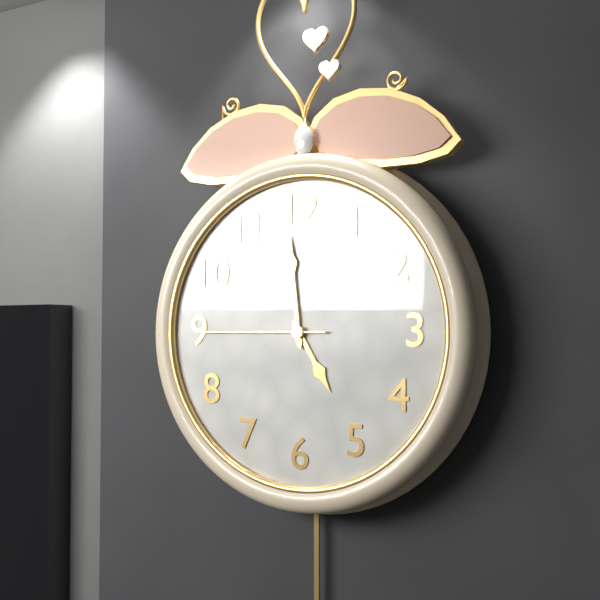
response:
h=4 m=59 s=45
